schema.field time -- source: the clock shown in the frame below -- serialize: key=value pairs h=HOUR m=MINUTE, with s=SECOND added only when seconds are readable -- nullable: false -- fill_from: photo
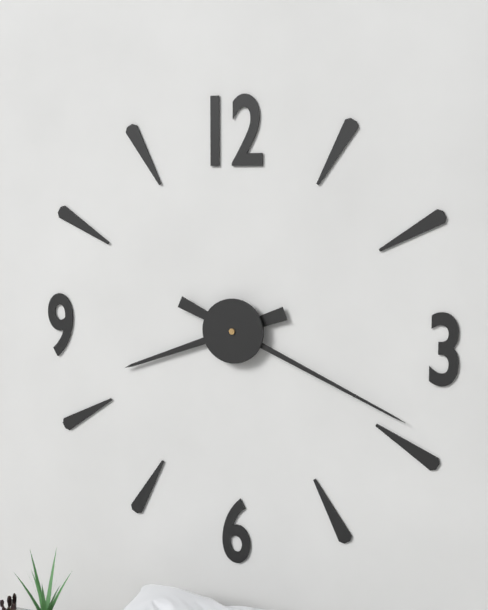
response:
h=8 m=19
